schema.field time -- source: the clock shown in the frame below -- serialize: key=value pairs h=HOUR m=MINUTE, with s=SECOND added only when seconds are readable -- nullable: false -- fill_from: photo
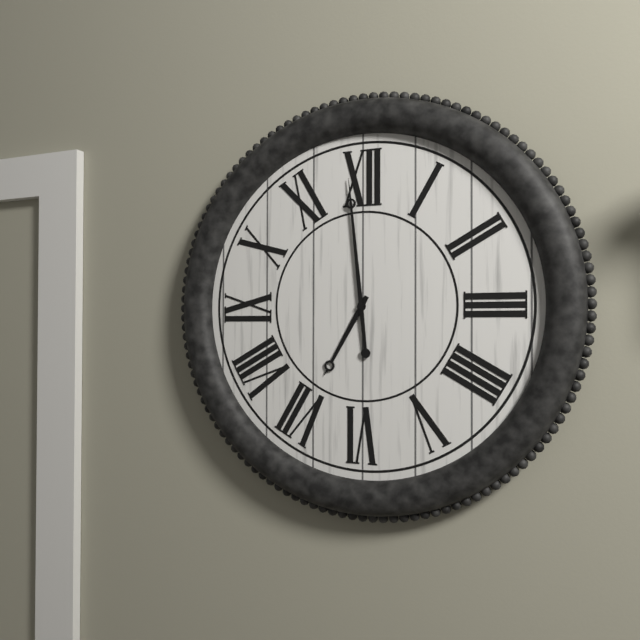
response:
h=6 m=59
